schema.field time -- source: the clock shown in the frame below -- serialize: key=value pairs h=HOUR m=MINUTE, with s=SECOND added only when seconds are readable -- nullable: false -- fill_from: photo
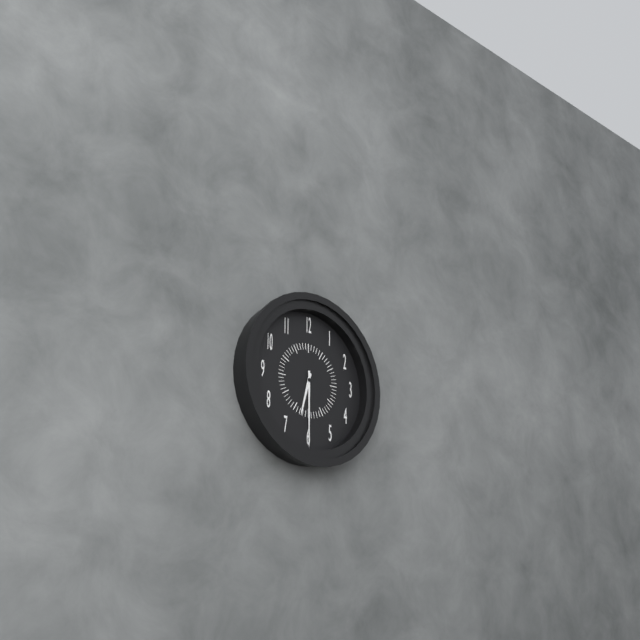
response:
h=6 m=30
